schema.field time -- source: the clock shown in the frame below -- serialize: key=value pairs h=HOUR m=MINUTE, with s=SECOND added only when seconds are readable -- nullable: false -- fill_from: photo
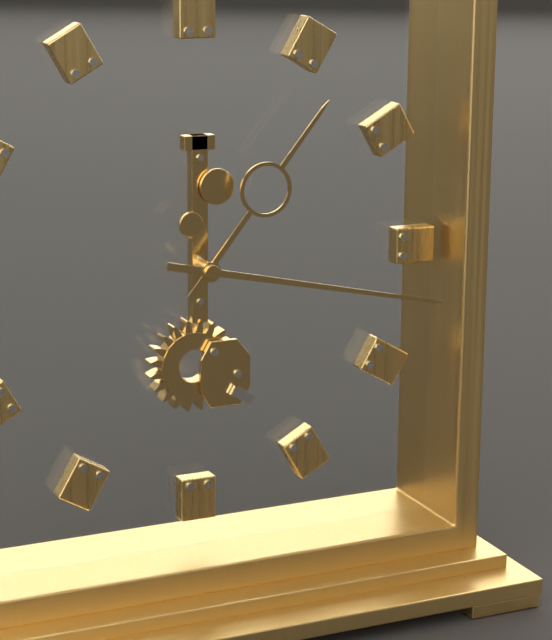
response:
h=1 m=17
